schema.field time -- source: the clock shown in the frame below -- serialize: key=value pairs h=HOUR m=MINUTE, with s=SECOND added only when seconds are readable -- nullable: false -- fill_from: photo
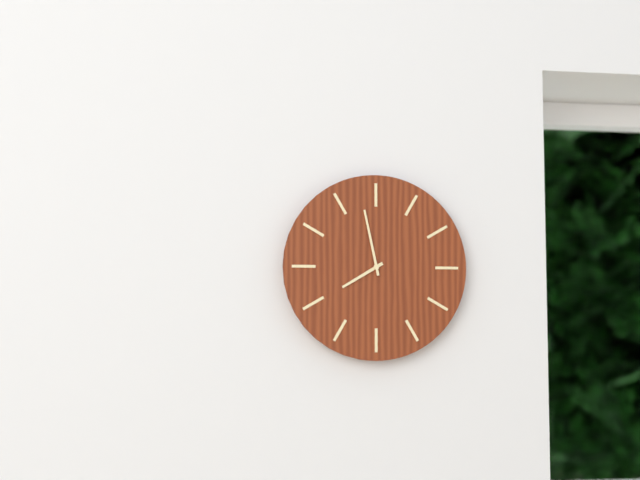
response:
h=7 m=58
